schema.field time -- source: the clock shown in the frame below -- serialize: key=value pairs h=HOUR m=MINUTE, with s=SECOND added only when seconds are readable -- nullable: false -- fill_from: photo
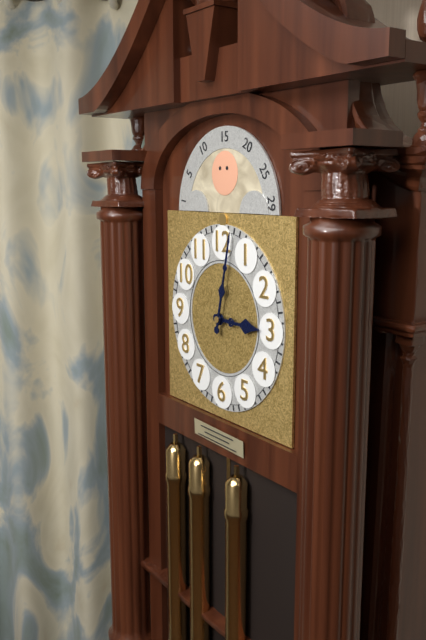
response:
h=3 m=2
